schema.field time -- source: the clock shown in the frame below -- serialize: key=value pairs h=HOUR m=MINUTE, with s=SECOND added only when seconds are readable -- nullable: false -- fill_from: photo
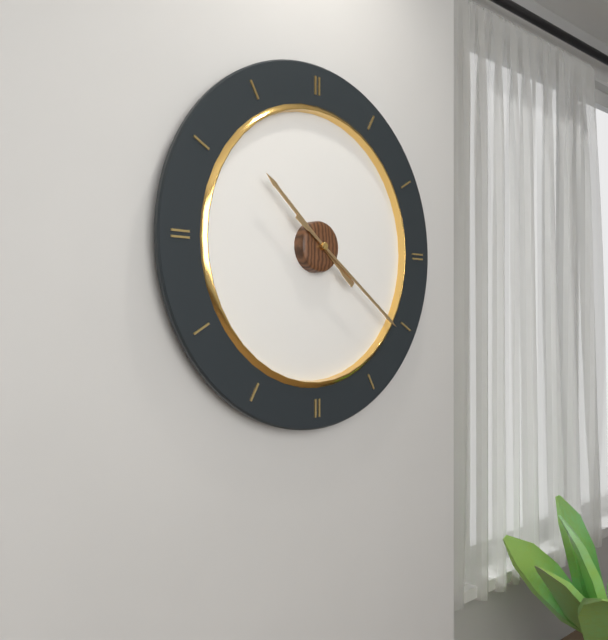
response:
h=10 m=21
